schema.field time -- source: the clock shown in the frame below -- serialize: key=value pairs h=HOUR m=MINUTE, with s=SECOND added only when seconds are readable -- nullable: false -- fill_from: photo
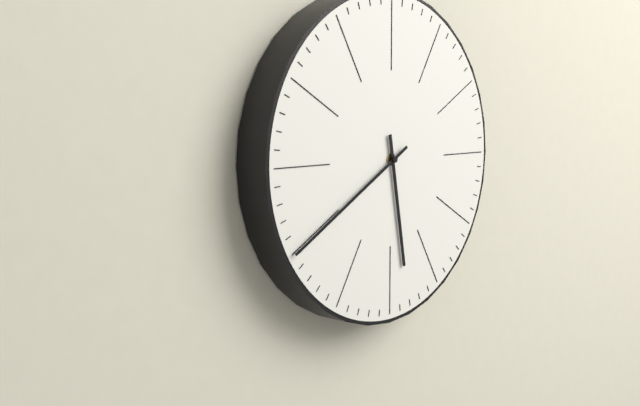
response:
h=5 m=40
